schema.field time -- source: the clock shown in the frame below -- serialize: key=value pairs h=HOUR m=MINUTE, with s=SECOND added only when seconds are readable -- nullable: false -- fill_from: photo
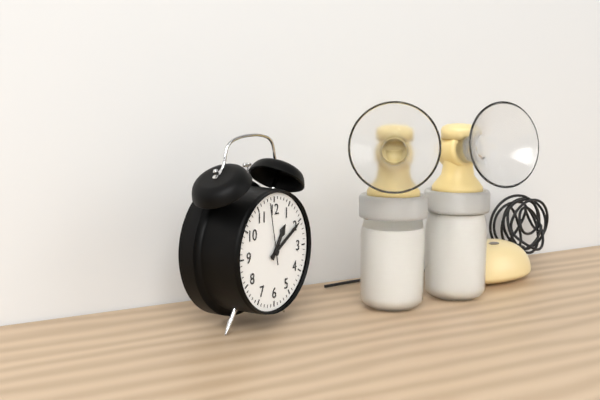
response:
h=1 m=10 s=58
